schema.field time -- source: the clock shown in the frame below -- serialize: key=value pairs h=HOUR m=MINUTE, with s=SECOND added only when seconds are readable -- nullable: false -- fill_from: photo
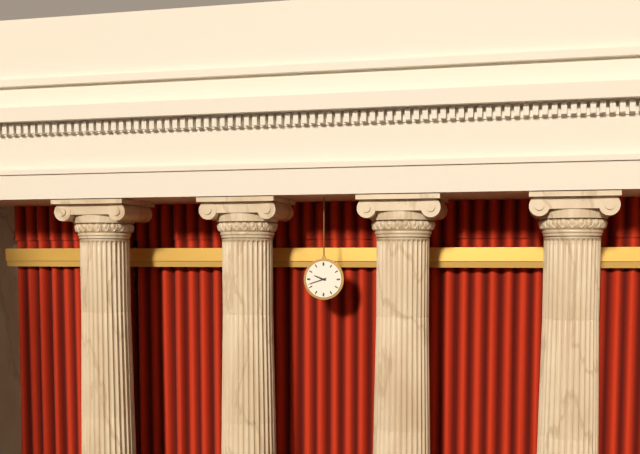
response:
h=9 m=42
